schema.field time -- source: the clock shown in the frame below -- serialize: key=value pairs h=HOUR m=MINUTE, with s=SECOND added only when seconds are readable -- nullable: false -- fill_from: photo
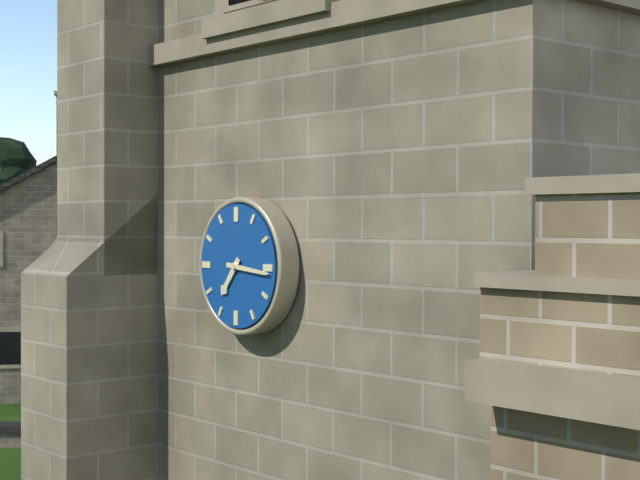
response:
h=7 m=16
